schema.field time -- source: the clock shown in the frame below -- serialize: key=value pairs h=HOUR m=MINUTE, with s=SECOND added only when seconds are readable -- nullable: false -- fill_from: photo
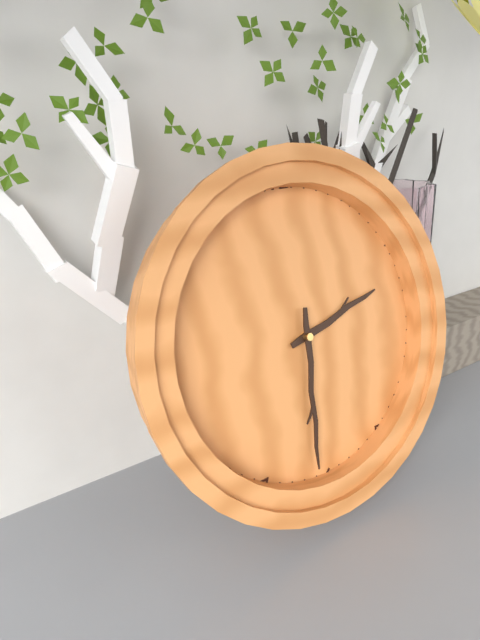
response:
h=2 m=31
